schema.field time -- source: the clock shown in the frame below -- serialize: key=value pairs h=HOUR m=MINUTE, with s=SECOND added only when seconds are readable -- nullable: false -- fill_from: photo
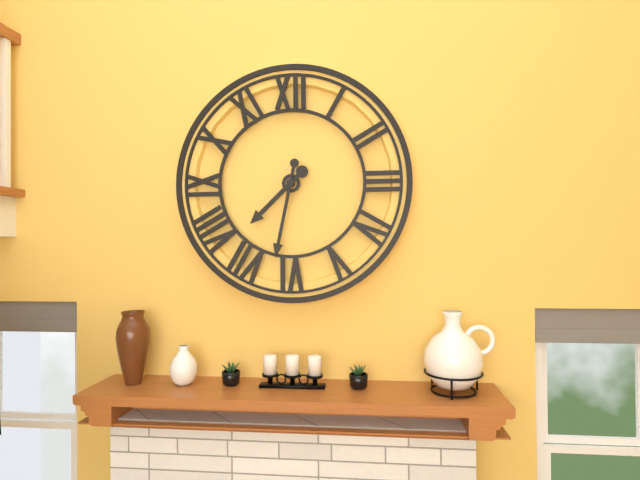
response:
h=7 m=32
